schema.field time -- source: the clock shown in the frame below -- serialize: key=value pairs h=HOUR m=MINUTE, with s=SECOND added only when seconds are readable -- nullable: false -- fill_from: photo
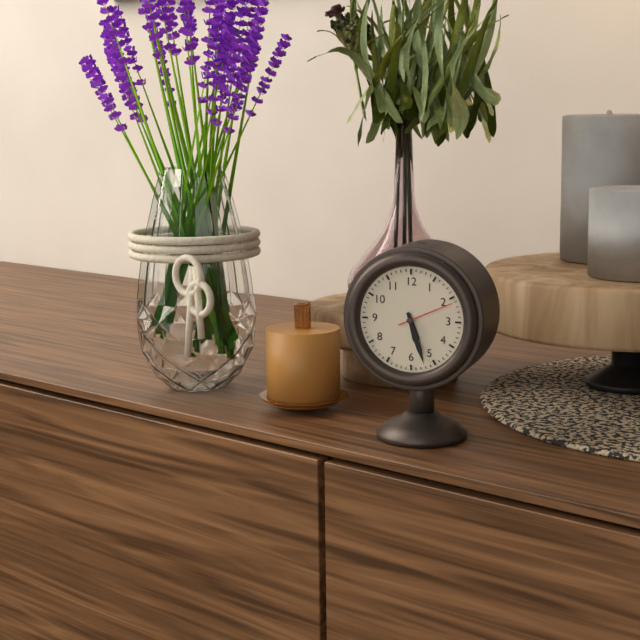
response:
h=5 m=27 s=11
